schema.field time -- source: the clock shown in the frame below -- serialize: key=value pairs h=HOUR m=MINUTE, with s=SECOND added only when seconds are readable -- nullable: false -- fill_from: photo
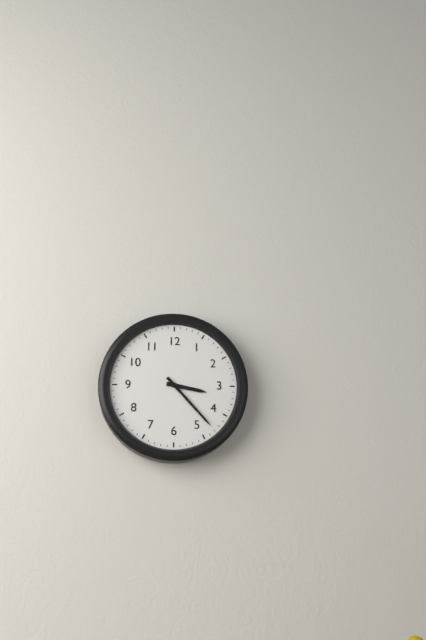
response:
h=3 m=23
